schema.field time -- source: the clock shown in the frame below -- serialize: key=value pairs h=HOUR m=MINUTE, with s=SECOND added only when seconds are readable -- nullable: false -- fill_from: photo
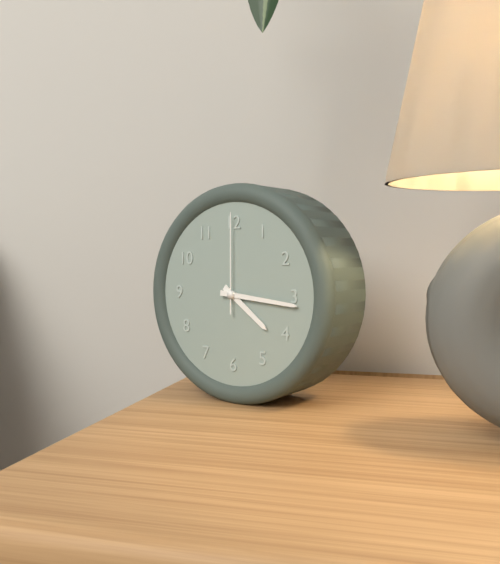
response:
h=4 m=16 s=0
